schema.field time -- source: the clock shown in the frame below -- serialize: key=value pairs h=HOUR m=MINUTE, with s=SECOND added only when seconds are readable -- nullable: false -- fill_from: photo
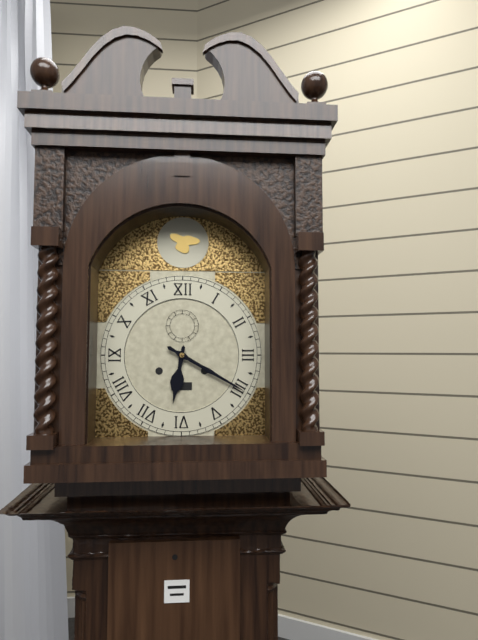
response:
h=6 m=20
